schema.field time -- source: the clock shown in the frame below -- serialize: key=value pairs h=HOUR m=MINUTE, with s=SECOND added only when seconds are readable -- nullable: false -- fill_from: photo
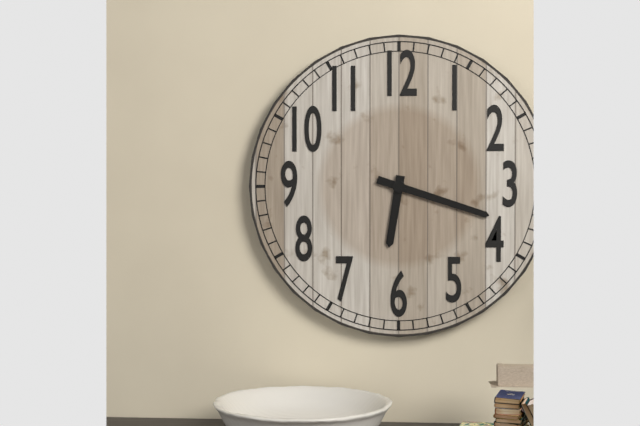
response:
h=6 m=18
